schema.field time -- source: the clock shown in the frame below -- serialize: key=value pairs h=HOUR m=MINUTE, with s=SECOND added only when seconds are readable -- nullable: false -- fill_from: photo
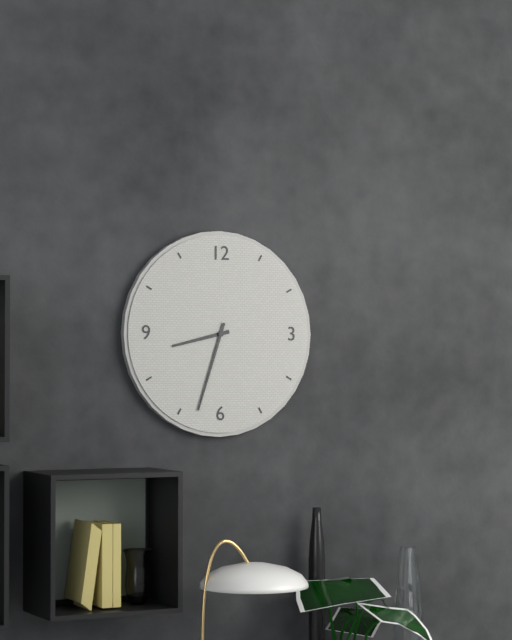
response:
h=8 m=33
